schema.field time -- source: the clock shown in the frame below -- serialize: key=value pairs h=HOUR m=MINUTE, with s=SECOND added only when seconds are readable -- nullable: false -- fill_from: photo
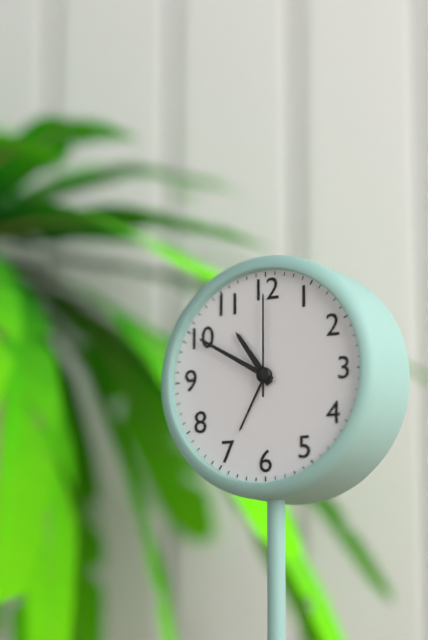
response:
h=10 m=50 s=0
